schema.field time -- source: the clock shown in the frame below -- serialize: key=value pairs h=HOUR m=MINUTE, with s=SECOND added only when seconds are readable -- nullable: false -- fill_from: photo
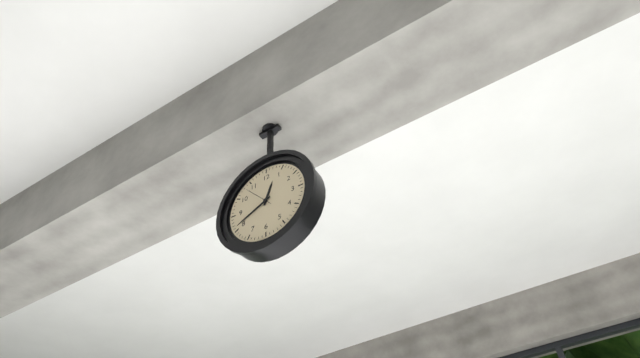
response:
h=12 m=41
